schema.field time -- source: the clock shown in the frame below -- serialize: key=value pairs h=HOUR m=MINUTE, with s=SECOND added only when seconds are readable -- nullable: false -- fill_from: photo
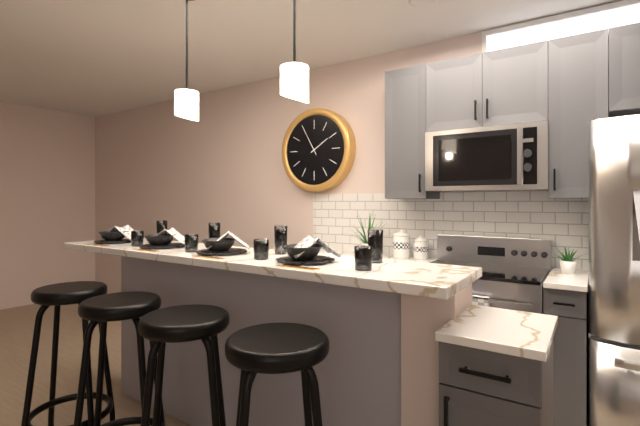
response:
h=1 m=55
